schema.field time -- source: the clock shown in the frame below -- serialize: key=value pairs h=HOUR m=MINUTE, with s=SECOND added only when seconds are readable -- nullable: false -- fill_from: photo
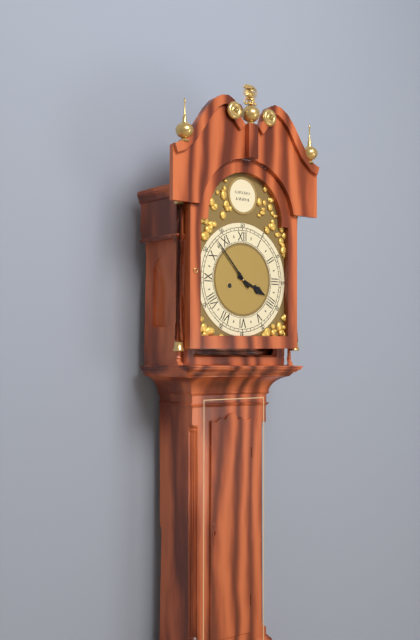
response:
h=3 m=53
